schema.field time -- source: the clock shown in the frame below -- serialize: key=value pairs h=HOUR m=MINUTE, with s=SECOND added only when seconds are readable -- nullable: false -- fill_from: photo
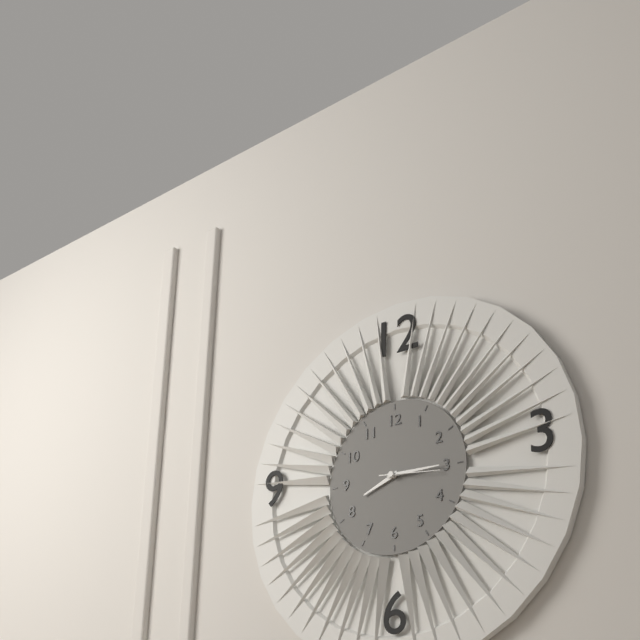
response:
h=8 m=15 s=16
